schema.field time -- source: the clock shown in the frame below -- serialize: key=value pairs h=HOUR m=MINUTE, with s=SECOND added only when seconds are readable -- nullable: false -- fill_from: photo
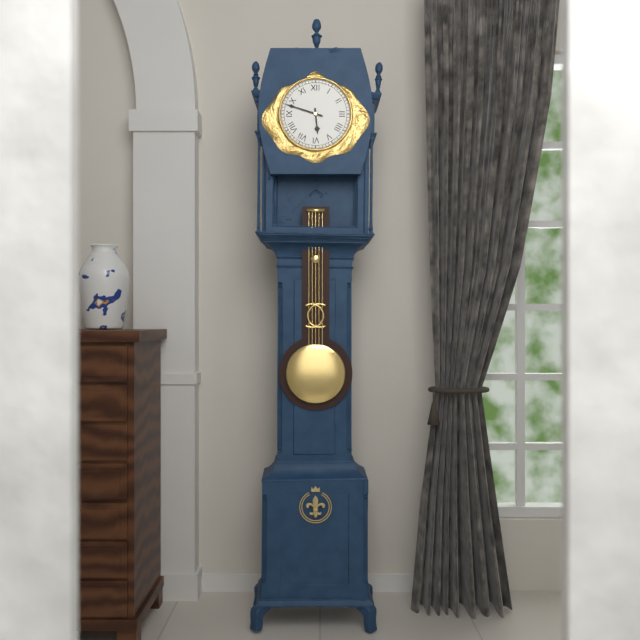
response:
h=5 m=48
